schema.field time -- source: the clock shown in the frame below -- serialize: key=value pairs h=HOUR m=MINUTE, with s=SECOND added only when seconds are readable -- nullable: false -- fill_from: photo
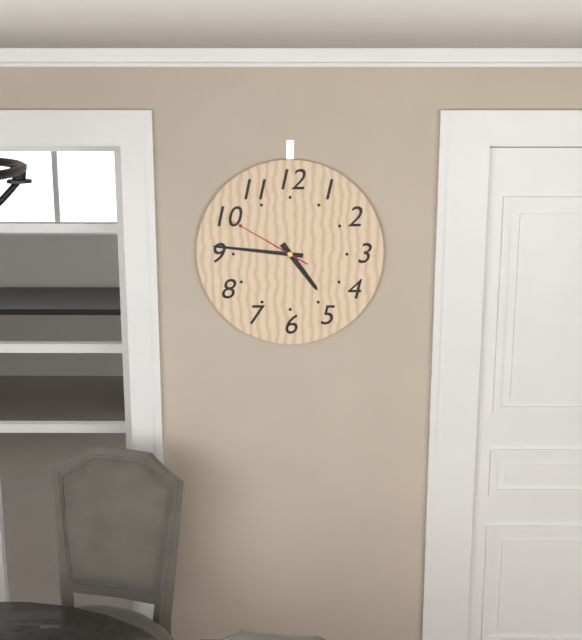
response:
h=4 m=46 s=50
